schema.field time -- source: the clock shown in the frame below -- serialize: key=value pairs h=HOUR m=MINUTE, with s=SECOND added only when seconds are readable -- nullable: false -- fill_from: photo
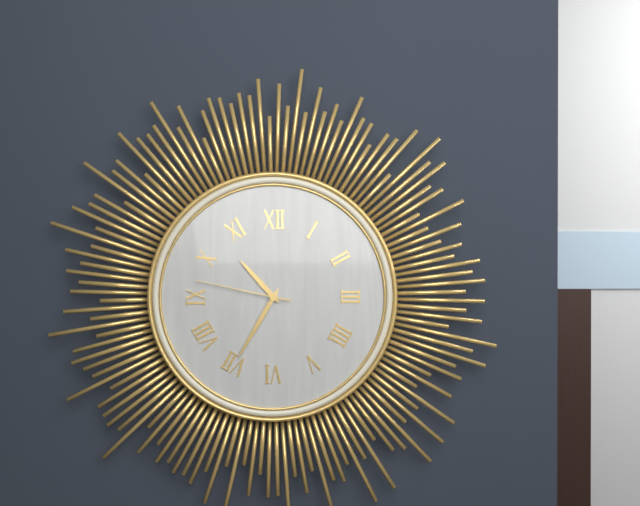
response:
h=10 m=35 s=47
